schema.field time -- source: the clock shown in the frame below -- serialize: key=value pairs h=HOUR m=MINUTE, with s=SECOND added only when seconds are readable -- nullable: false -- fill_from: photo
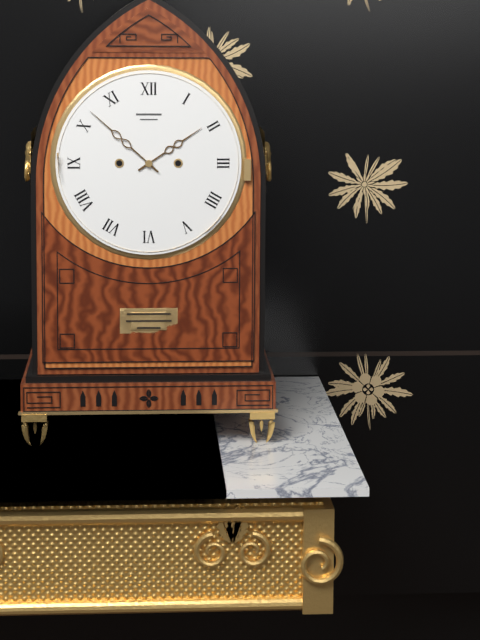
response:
h=1 m=52
